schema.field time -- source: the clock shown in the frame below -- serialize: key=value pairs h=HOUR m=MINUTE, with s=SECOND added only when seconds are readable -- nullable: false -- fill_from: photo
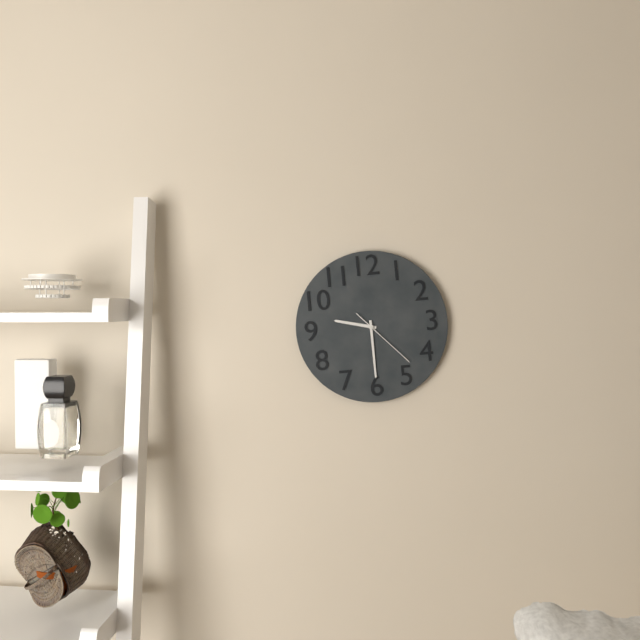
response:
h=9 m=30 s=23
